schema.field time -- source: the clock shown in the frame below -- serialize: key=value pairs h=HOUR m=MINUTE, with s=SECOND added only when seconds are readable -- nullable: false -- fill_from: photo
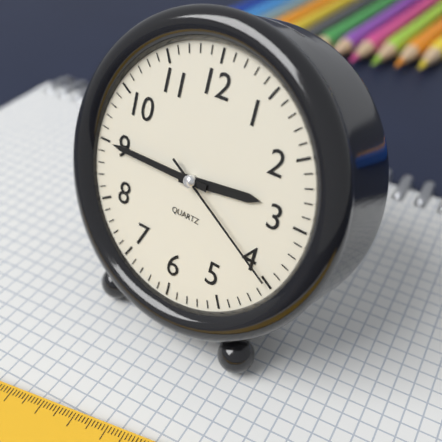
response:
h=2 m=45 s=20
